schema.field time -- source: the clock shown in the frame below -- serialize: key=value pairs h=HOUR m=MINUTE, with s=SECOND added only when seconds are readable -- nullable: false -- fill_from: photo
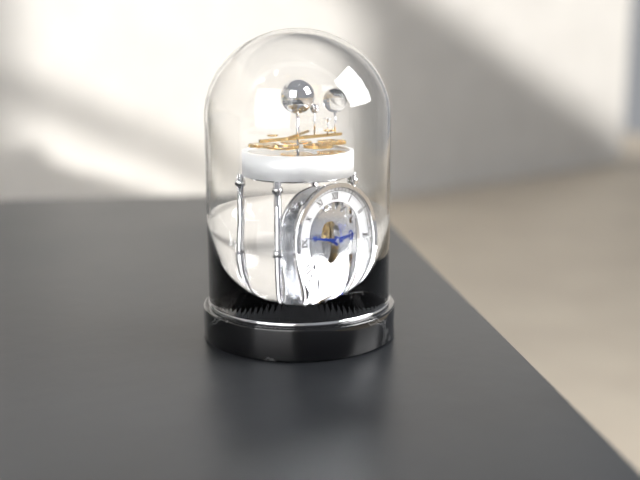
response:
h=2 m=46
